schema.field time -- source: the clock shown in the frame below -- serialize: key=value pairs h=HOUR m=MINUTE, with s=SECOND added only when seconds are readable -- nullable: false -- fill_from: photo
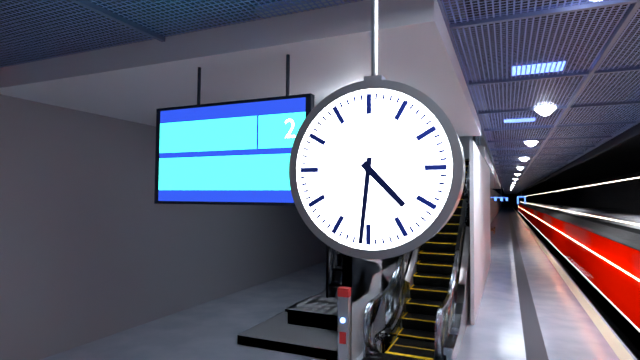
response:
h=4 m=31
